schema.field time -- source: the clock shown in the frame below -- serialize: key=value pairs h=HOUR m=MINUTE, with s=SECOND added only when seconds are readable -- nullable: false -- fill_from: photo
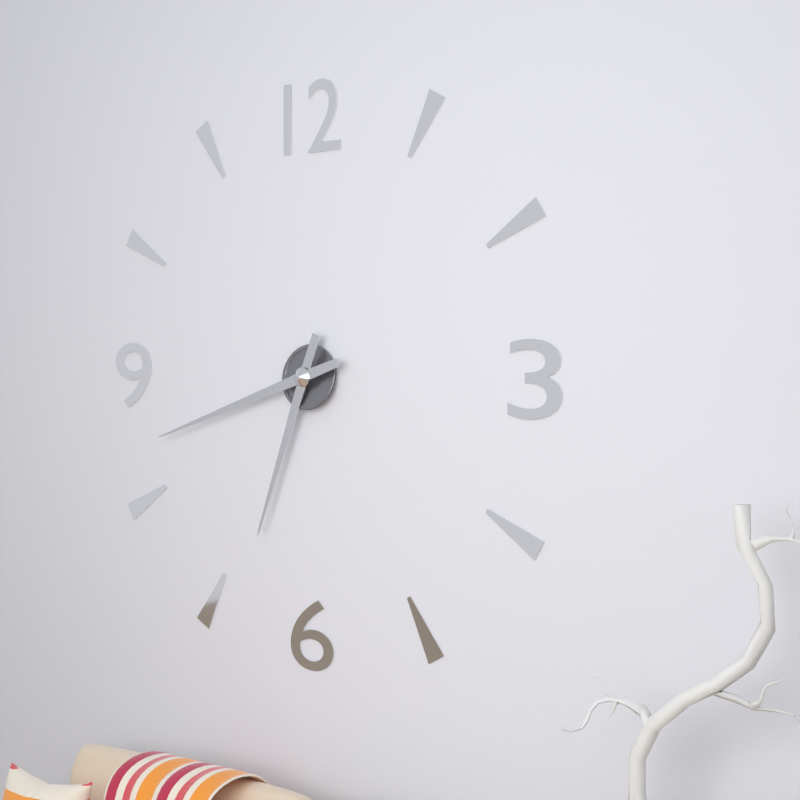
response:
h=6 m=42
